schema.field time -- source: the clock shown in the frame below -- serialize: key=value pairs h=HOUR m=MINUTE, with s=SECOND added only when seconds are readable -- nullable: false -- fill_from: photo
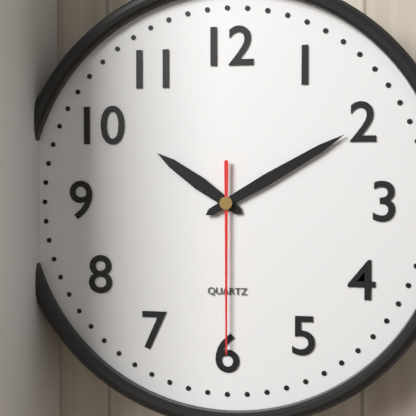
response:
h=10 m=10 s=30
